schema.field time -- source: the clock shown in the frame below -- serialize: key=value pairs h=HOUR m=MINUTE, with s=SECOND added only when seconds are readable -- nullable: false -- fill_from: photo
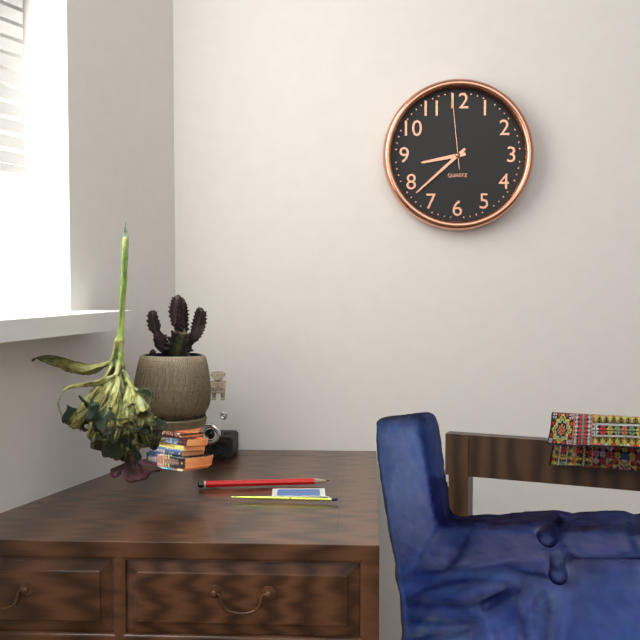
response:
h=8 m=38 s=59
